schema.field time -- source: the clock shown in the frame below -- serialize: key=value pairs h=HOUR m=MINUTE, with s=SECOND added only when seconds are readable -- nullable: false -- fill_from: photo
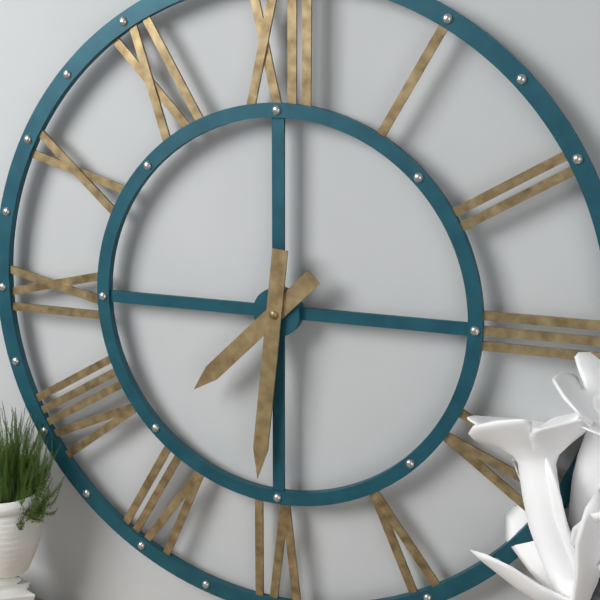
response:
h=7 m=31
